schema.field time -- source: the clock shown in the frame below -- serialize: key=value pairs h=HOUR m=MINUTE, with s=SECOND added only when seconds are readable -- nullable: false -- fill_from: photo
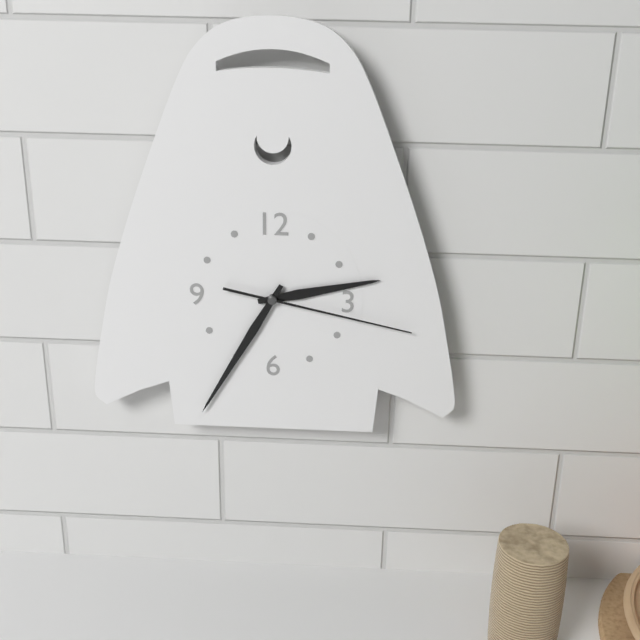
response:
h=2 m=35 s=17
